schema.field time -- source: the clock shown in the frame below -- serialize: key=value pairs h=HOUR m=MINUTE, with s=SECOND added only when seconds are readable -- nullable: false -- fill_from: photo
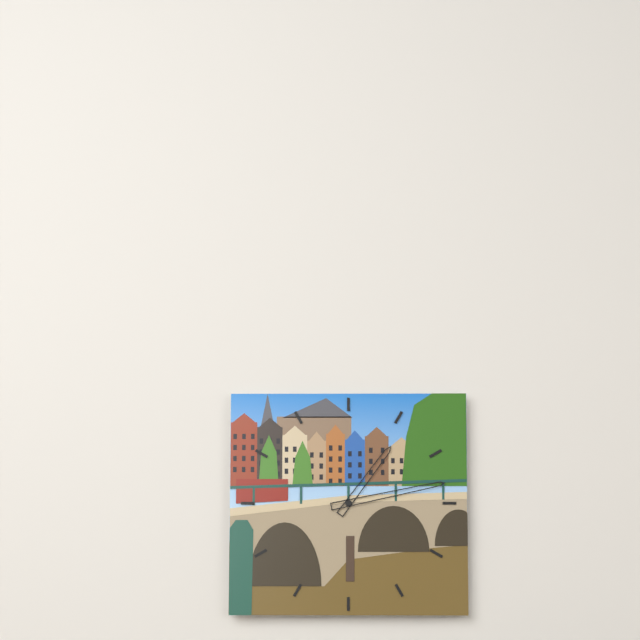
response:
h=1 m=13
